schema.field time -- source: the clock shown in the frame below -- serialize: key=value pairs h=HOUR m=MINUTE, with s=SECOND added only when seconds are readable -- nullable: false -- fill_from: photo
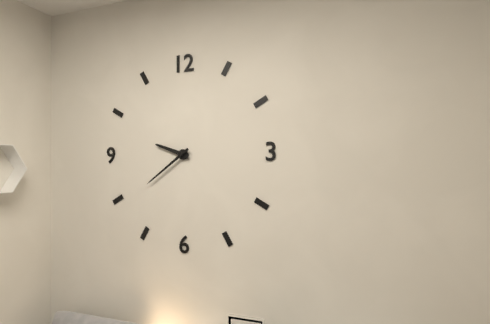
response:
h=9 m=39
